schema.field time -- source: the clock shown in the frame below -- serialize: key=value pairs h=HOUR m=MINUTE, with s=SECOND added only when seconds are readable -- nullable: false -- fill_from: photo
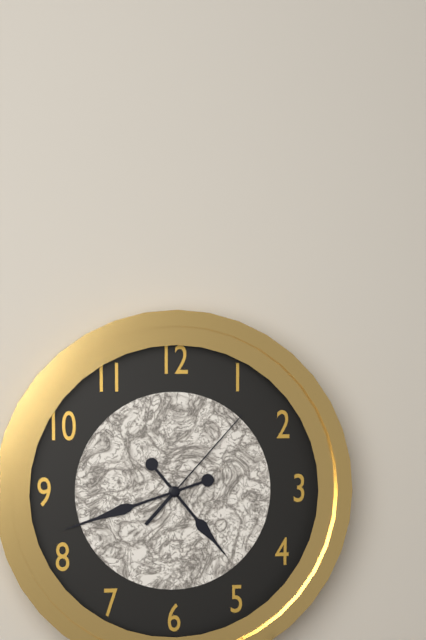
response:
h=4 m=42 s=7
